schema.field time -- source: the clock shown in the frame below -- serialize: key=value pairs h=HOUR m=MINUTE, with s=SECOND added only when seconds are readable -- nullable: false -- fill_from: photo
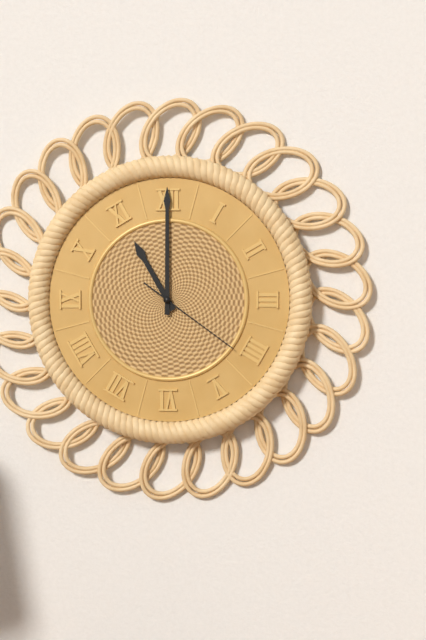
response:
h=11 m=0 s=21
